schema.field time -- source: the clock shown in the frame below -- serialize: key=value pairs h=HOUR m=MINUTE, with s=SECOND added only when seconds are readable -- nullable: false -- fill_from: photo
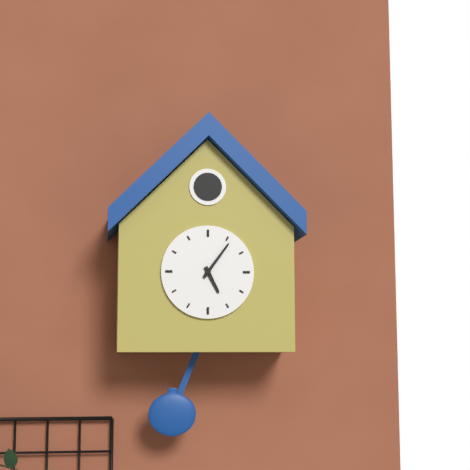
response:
h=5 m=6
